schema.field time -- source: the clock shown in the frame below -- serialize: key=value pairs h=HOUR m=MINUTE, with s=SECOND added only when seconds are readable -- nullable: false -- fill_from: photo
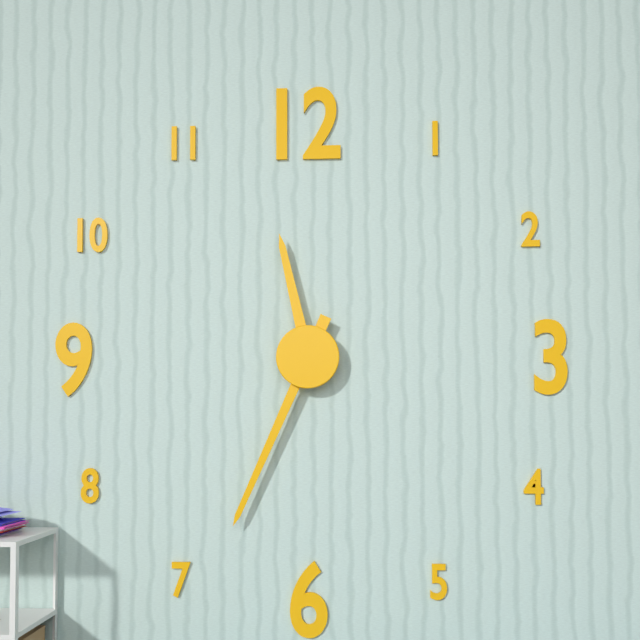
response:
h=11 m=34
